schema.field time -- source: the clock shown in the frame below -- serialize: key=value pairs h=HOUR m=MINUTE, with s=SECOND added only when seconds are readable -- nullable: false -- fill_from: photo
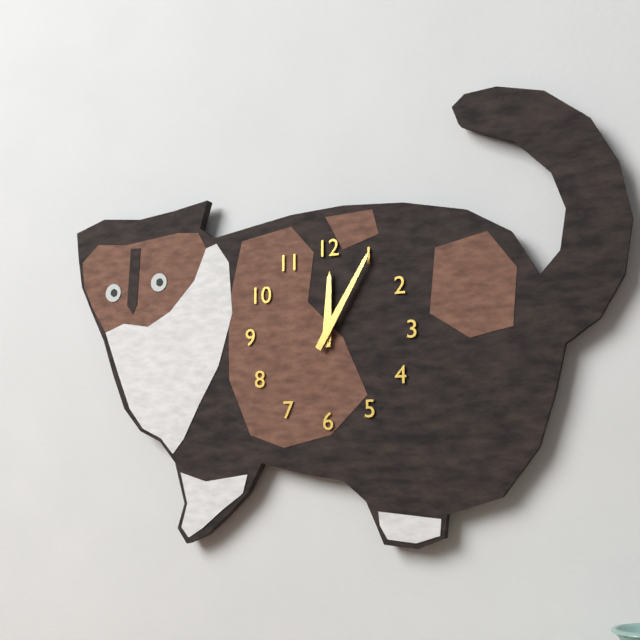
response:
h=12 m=5
